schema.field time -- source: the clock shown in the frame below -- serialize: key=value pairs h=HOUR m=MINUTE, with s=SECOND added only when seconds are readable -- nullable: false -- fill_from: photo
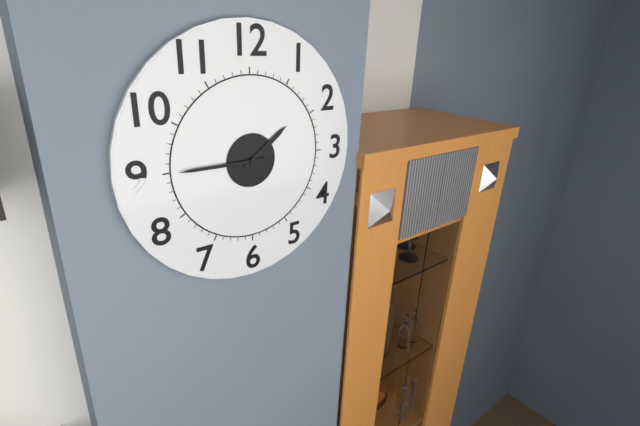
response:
h=1 m=45
